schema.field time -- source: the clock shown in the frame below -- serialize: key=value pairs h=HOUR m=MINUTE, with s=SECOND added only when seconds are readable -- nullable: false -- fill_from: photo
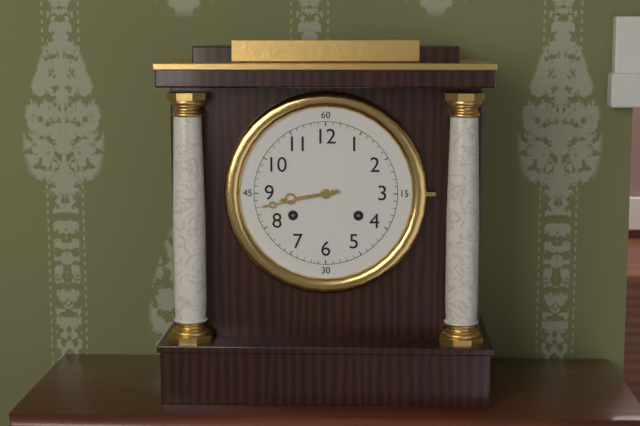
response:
h=8 m=43
